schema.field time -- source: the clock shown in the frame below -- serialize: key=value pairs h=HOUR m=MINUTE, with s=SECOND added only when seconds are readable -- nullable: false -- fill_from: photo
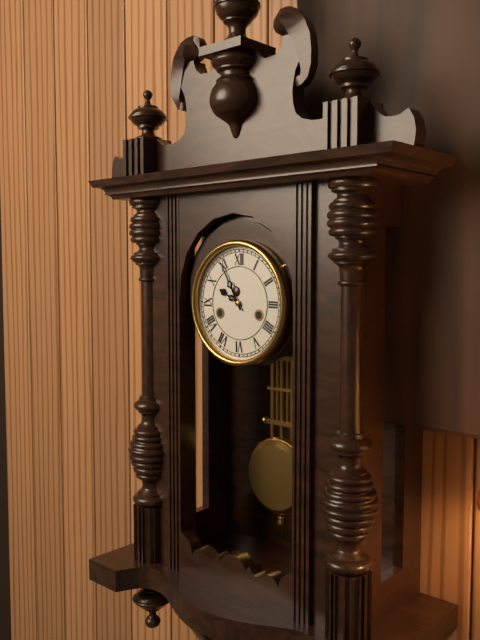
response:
h=9 m=55
